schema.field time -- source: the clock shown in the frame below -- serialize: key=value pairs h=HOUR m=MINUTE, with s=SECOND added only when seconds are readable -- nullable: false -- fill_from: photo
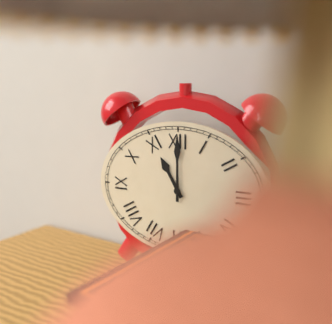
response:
h=11 m=0
